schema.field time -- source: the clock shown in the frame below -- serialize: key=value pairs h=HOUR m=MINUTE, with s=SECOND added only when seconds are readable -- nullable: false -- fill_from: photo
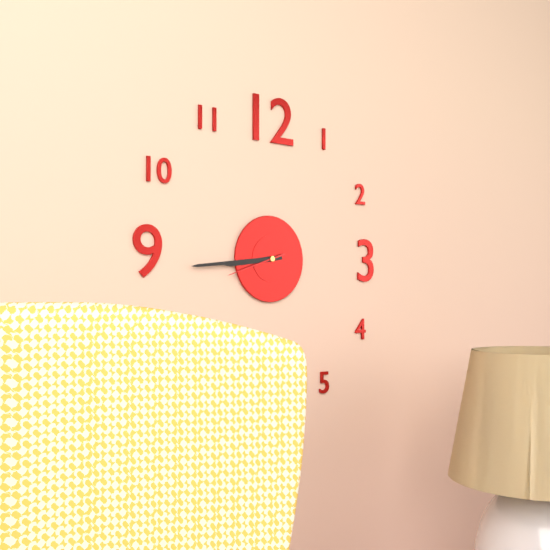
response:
h=8 m=44 s=42
